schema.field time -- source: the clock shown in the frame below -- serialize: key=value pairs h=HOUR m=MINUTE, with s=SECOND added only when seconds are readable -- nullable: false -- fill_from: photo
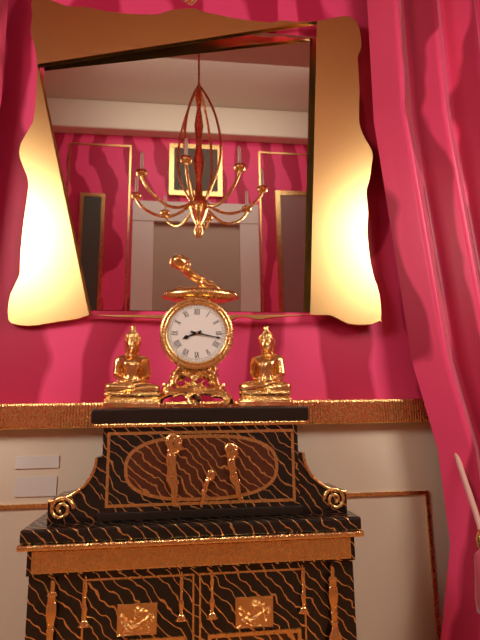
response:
h=8 m=17
